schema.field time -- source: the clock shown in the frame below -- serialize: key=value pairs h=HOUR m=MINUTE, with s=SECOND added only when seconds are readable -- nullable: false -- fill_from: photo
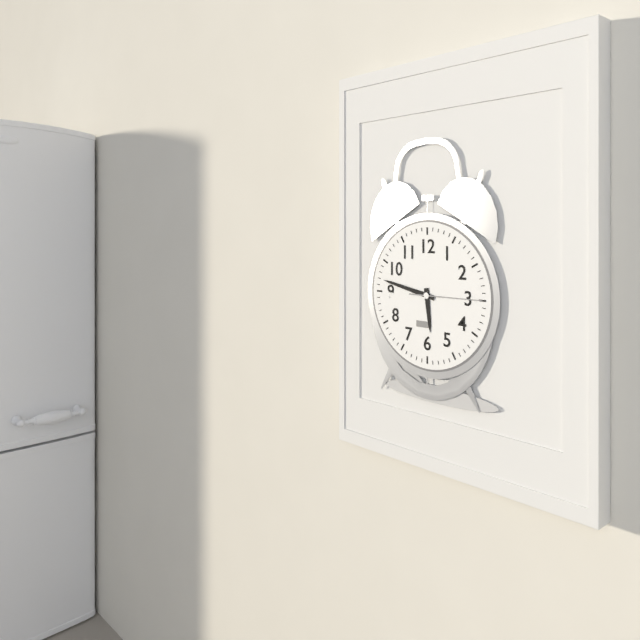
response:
h=5 m=47 s=15
